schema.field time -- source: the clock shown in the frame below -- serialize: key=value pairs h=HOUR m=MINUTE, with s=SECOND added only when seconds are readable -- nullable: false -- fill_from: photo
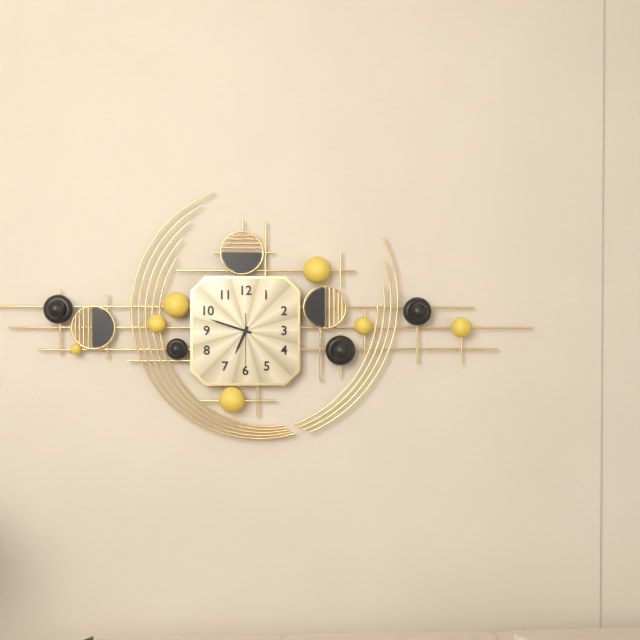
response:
h=6 m=48
